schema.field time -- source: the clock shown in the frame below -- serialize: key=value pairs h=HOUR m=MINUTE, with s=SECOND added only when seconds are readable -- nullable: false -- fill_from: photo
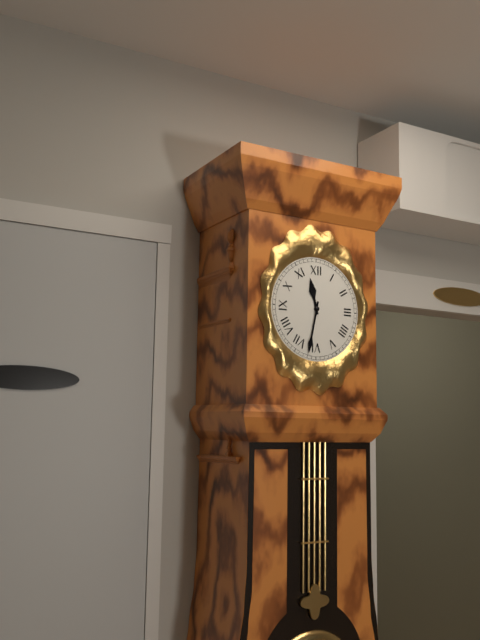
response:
h=11 m=32
